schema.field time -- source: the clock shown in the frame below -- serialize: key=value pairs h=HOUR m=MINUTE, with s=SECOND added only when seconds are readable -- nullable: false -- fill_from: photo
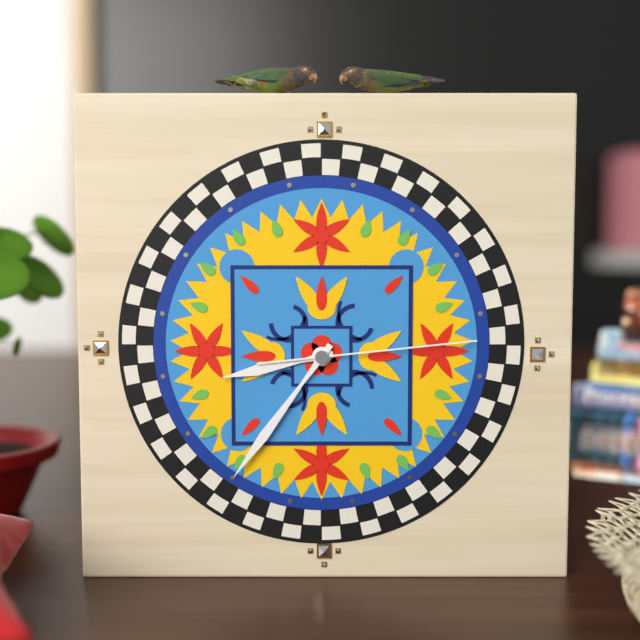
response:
h=8 m=36 s=14
